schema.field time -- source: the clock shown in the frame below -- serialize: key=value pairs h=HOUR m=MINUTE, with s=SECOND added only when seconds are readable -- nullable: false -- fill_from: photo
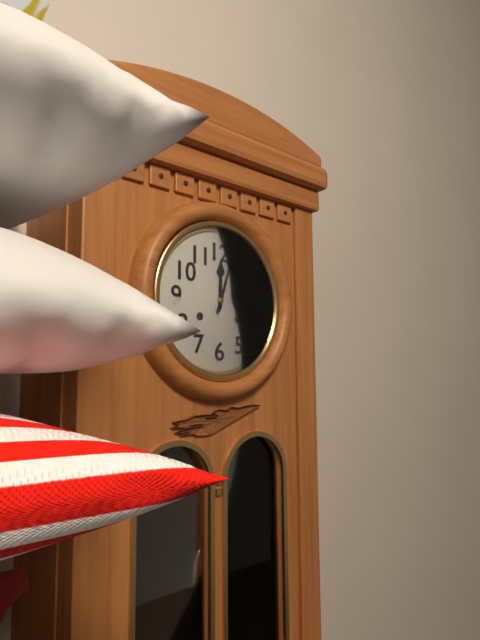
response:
h=12 m=3
